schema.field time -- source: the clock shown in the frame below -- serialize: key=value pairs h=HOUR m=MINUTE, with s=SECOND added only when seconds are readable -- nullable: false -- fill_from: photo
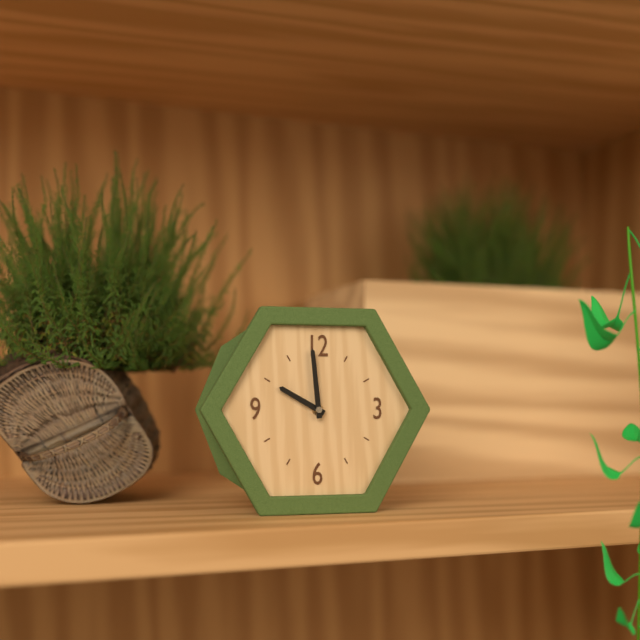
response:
h=9 m=59
